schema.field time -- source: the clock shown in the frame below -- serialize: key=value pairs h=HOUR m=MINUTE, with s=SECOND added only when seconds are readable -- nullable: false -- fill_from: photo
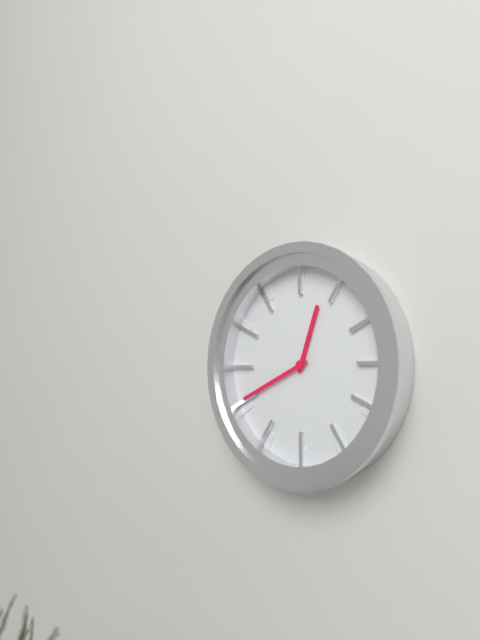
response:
h=12 m=41
